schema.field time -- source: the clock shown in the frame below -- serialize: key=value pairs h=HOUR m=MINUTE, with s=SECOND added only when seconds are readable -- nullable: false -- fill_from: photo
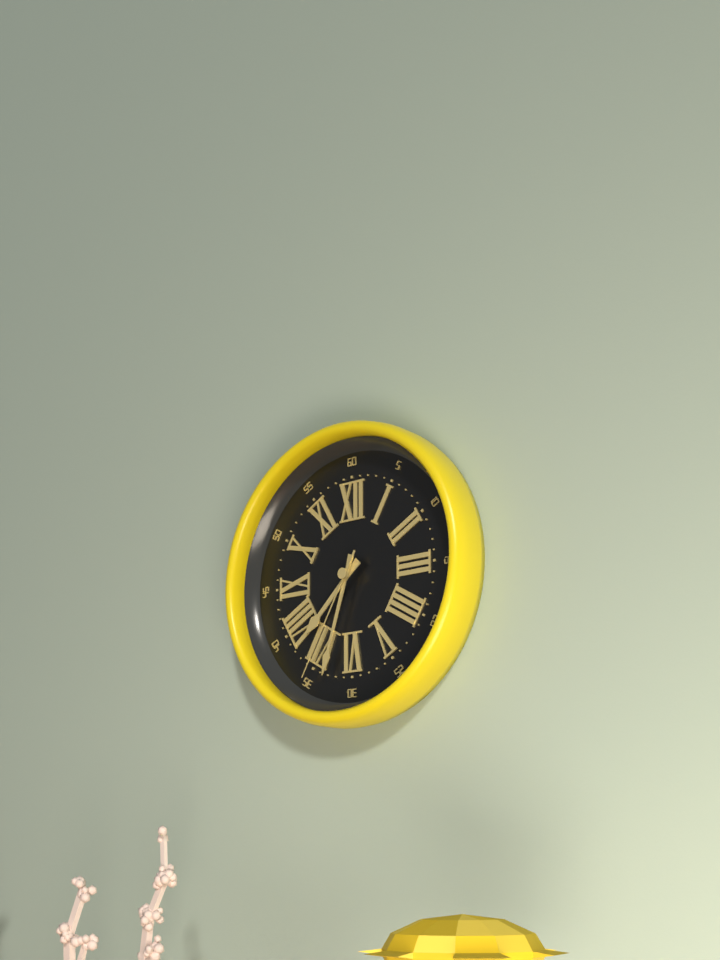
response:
h=7 m=33 s=35
